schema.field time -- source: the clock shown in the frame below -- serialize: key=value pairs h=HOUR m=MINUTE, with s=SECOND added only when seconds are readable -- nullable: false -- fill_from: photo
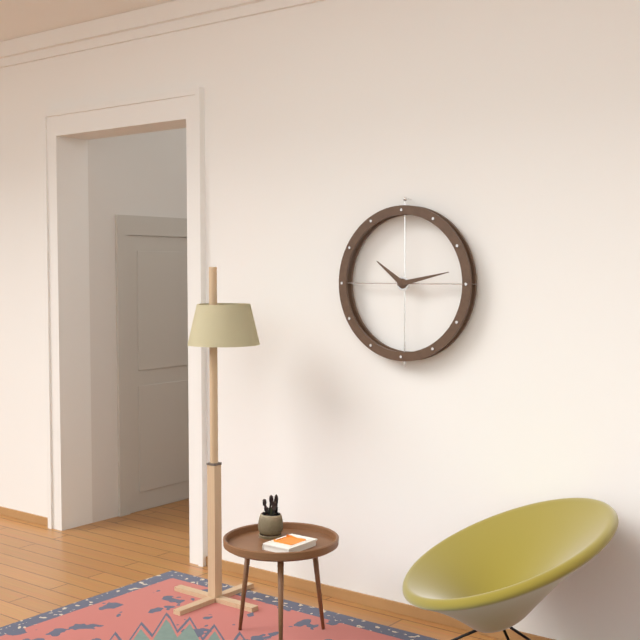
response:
h=10 m=13
